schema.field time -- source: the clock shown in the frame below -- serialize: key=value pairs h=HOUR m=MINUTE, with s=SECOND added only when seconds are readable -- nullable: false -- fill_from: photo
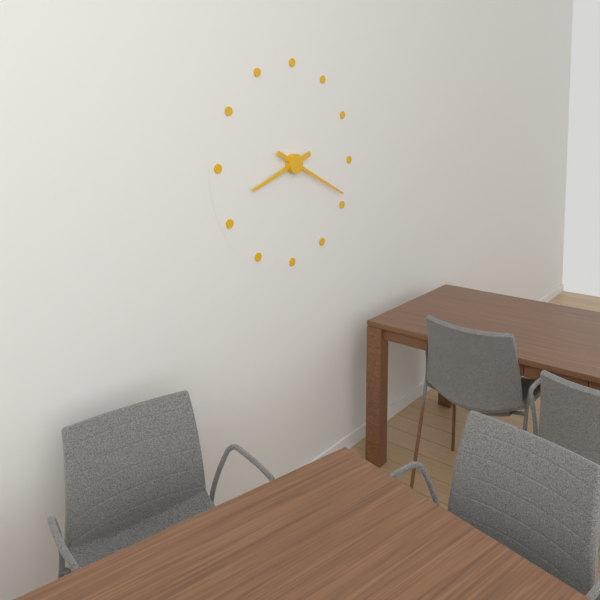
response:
h=8 m=19
